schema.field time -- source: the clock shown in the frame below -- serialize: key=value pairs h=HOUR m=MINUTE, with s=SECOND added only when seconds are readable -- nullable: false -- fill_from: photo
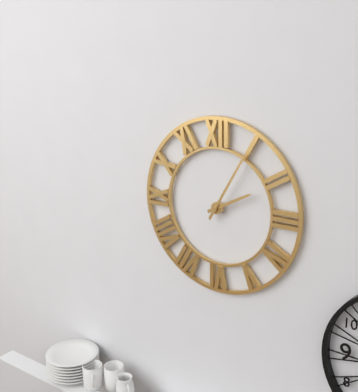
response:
h=2 m=5
